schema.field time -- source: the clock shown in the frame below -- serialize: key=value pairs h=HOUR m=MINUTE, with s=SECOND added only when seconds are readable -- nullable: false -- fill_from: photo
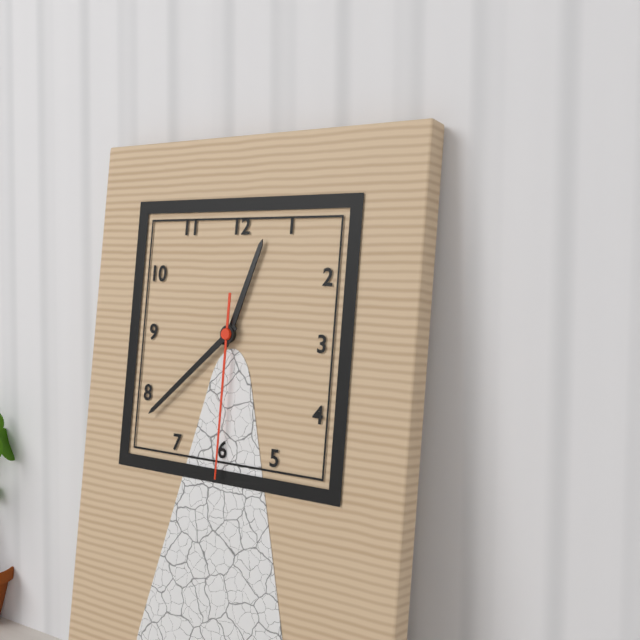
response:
h=12 m=38 s=30
